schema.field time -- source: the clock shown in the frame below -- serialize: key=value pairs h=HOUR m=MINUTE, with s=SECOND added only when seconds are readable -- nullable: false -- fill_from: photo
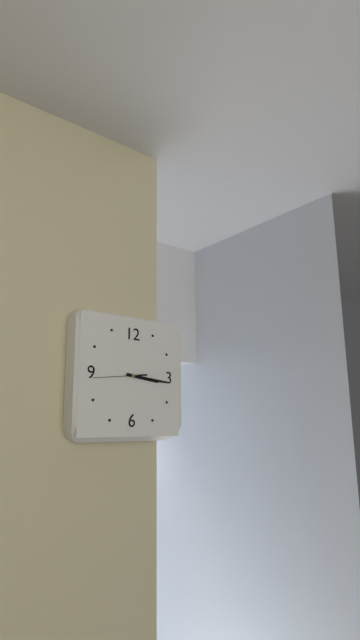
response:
h=3 m=16 s=44
